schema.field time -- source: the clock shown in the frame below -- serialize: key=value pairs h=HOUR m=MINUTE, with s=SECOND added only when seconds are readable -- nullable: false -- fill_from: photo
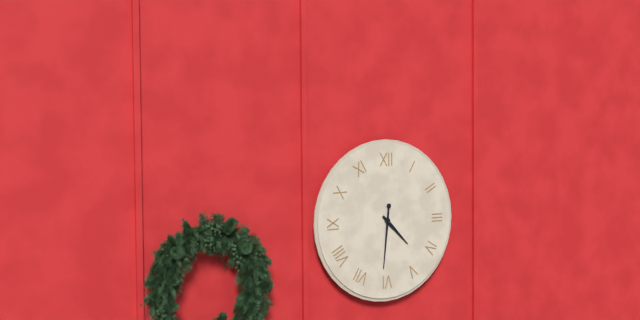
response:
h=4 m=31
